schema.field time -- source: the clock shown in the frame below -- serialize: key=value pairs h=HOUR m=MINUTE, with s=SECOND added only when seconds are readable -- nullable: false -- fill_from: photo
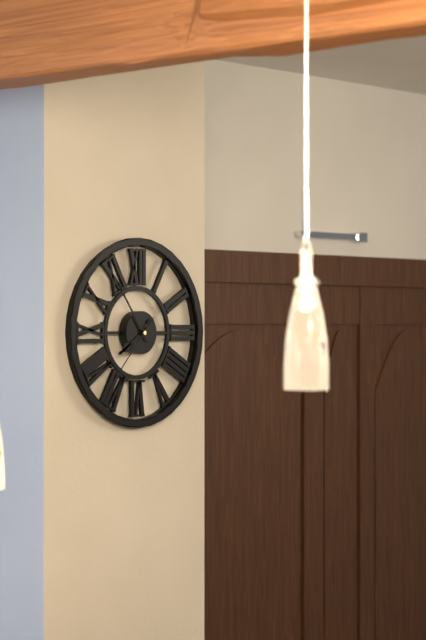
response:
h=7 m=54 s=37
